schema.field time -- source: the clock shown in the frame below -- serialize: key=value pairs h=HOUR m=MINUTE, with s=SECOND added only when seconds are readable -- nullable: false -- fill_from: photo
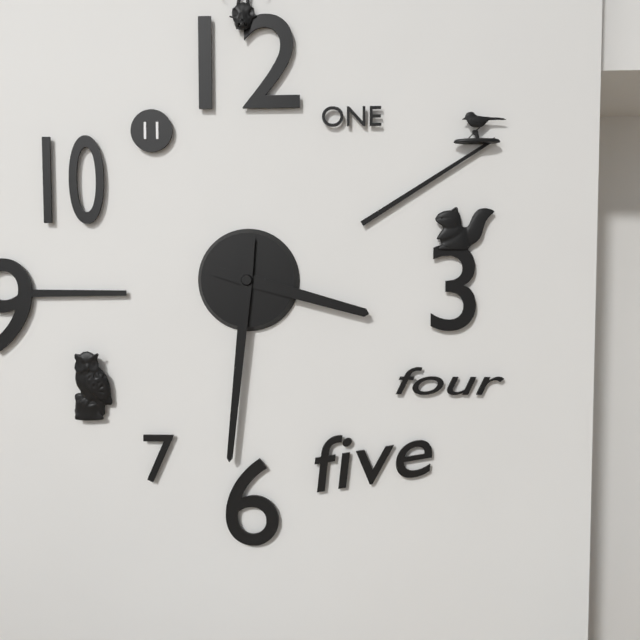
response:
h=3 m=31
